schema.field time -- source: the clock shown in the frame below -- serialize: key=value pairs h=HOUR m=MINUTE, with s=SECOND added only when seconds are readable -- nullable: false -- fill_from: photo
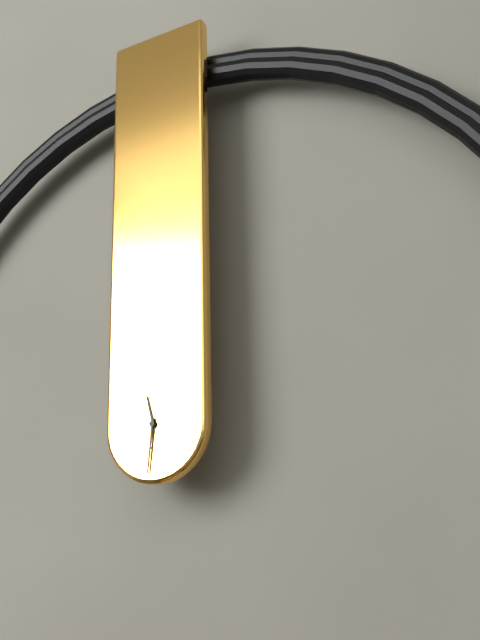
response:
h=11 m=31
